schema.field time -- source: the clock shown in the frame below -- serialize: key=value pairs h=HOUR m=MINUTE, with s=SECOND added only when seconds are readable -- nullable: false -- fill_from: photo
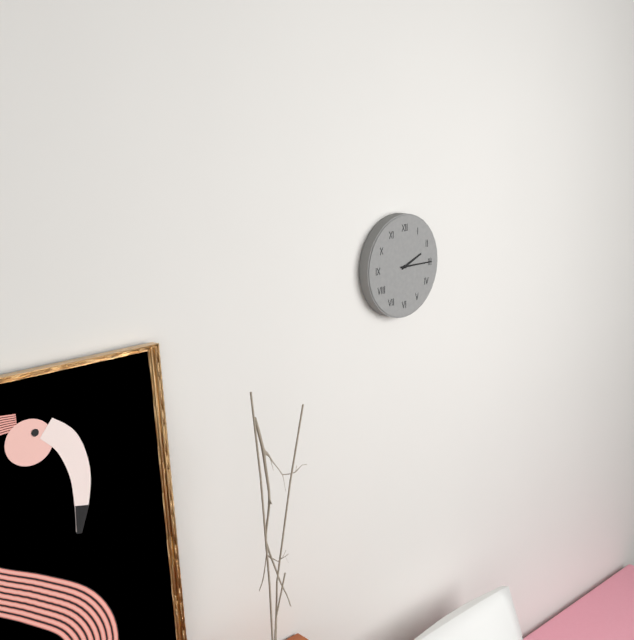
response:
h=2 m=15
